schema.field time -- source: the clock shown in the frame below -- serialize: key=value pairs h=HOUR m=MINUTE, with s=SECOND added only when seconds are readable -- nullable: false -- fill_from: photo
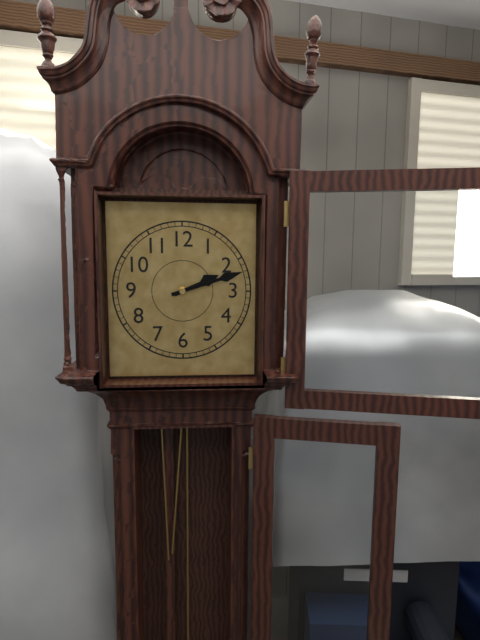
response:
h=2 m=12
